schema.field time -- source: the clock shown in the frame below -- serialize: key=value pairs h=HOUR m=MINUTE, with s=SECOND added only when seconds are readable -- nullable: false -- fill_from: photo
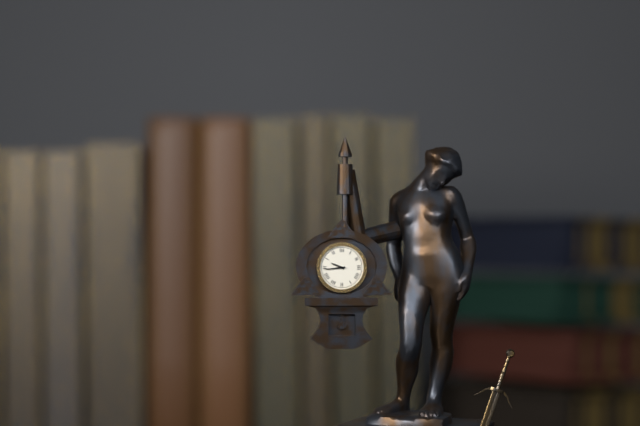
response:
h=9 m=44
